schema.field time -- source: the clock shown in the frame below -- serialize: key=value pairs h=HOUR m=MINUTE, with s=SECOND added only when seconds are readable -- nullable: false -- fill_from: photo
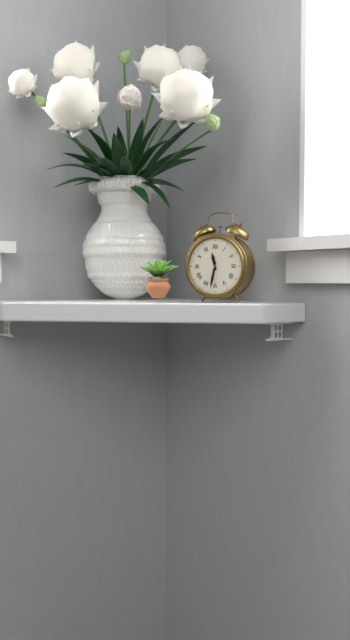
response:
h=11 m=32
